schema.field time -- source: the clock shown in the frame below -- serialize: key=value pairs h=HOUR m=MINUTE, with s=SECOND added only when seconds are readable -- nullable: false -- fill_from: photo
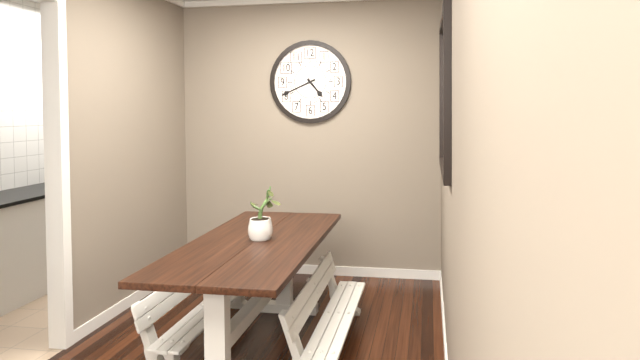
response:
h=4 m=41
